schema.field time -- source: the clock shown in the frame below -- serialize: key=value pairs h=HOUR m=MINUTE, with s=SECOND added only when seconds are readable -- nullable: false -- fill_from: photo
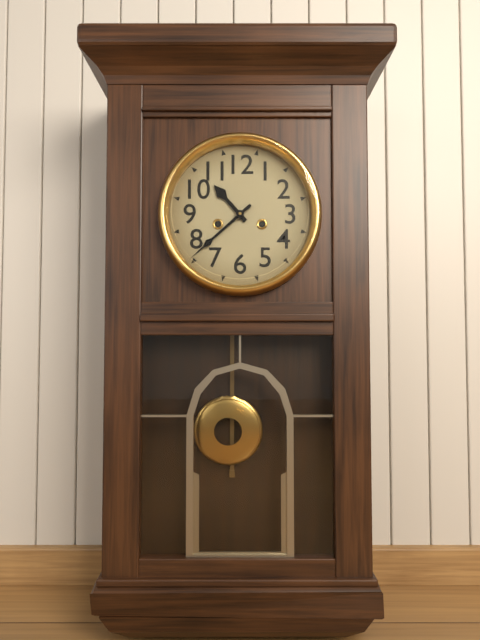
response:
h=10 m=38
